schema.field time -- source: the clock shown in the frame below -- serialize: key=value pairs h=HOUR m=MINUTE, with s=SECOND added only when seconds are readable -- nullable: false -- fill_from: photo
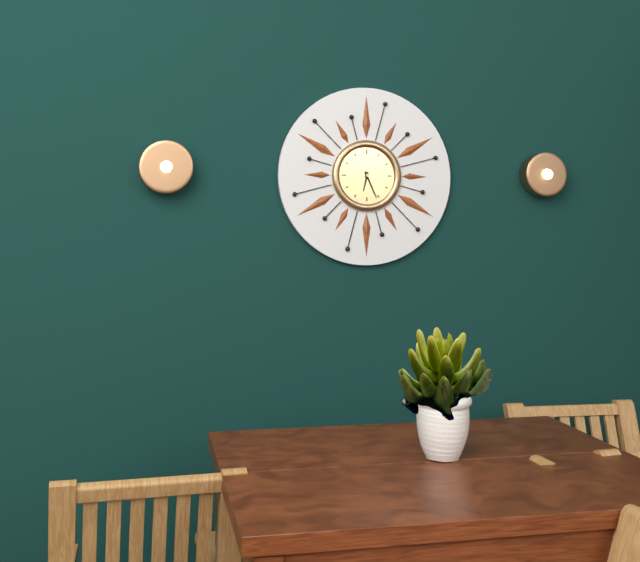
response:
h=6 m=26
